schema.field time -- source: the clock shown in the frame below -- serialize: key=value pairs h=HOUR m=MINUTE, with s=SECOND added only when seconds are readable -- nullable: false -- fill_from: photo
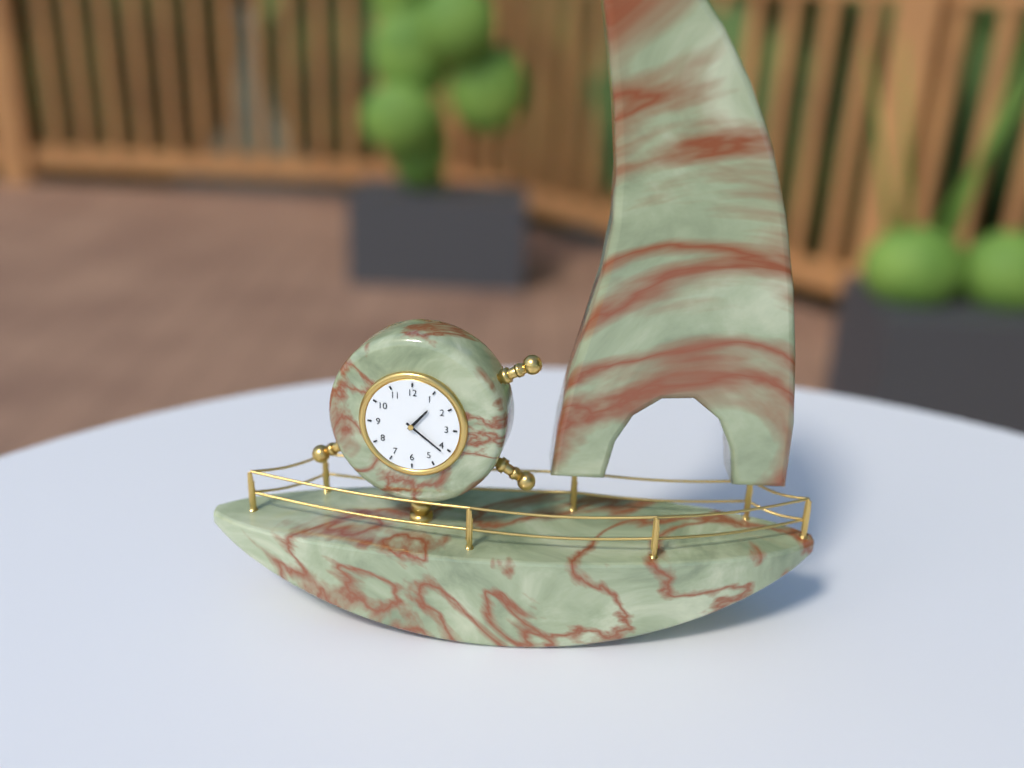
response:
h=1 m=21
